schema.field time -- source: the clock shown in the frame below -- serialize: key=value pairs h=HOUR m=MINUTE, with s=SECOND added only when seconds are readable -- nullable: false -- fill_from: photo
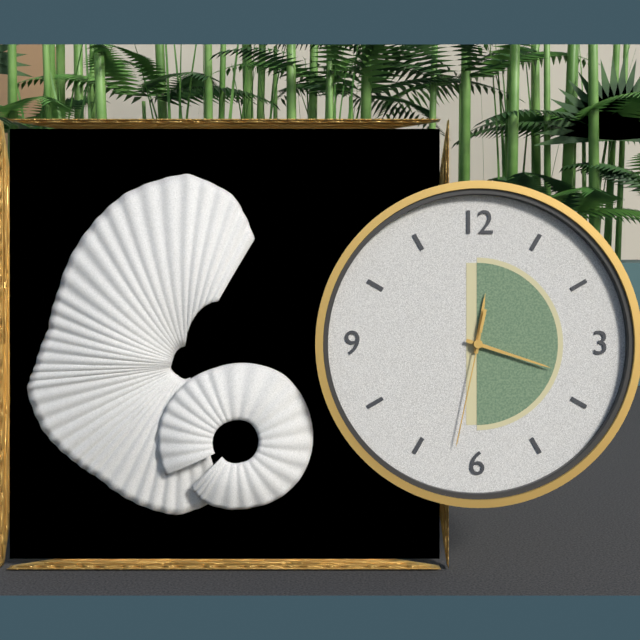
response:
h=12 m=18 s=32
